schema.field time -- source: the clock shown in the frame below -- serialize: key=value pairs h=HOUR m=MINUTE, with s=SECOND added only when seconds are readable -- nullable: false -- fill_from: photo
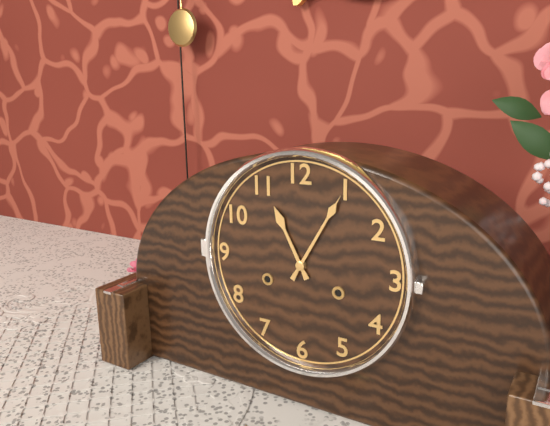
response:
h=11 m=5
